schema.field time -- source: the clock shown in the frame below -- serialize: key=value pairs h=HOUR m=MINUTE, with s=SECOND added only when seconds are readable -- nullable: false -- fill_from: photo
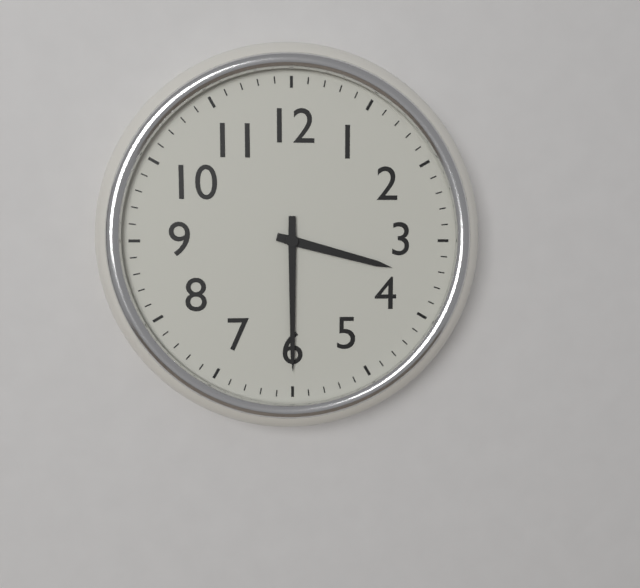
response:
h=3 m=30
